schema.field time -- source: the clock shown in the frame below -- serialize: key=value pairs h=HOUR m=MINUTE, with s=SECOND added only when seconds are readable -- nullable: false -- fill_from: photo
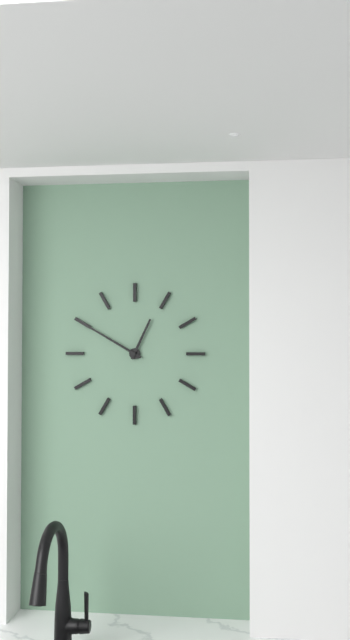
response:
h=12 m=50
